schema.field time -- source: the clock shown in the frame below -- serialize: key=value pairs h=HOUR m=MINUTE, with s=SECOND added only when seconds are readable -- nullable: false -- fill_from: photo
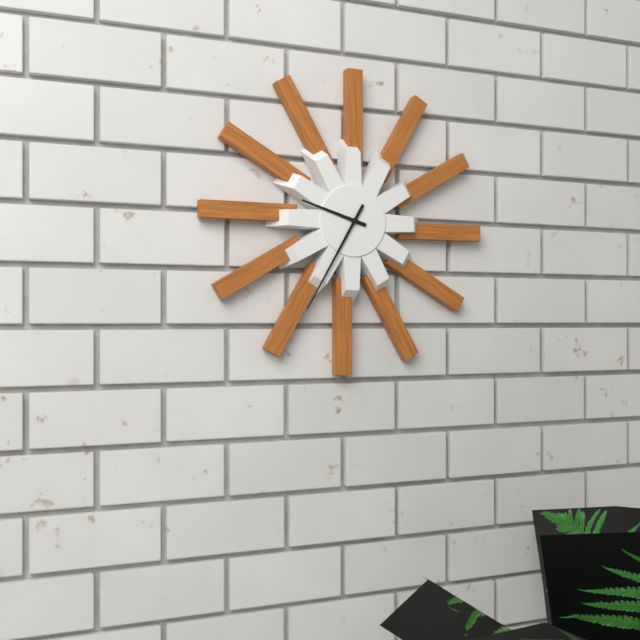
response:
h=9 m=35
